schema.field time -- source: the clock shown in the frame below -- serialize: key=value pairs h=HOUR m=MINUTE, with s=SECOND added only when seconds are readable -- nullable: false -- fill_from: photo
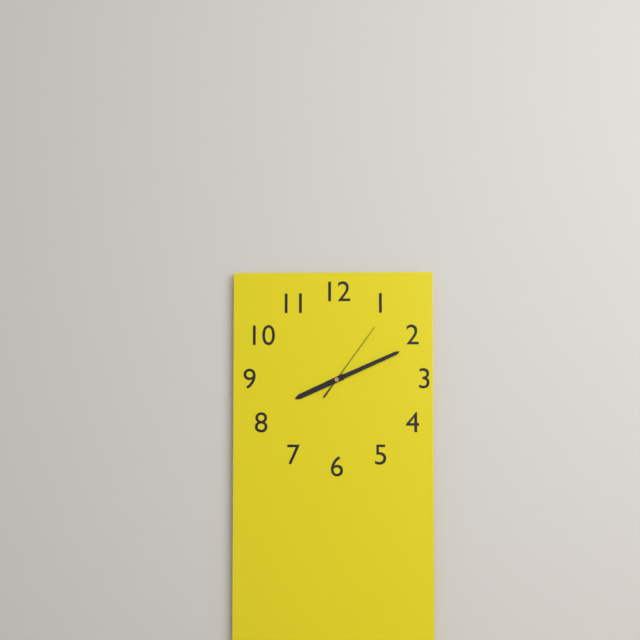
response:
h=8 m=11 s=6
